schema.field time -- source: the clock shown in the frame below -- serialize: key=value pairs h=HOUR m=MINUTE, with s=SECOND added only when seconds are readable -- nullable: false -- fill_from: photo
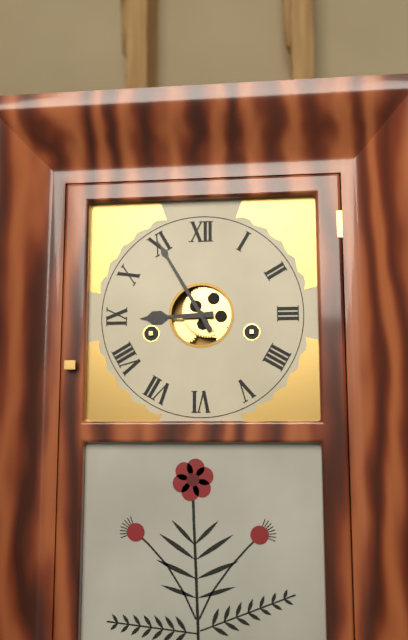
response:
h=8 m=55
